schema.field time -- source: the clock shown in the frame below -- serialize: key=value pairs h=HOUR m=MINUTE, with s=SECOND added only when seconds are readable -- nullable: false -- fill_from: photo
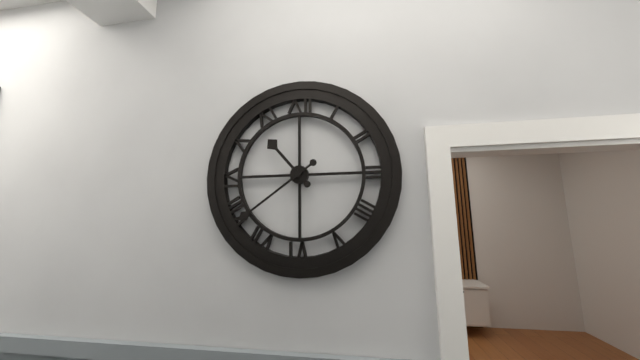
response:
h=10 m=39
